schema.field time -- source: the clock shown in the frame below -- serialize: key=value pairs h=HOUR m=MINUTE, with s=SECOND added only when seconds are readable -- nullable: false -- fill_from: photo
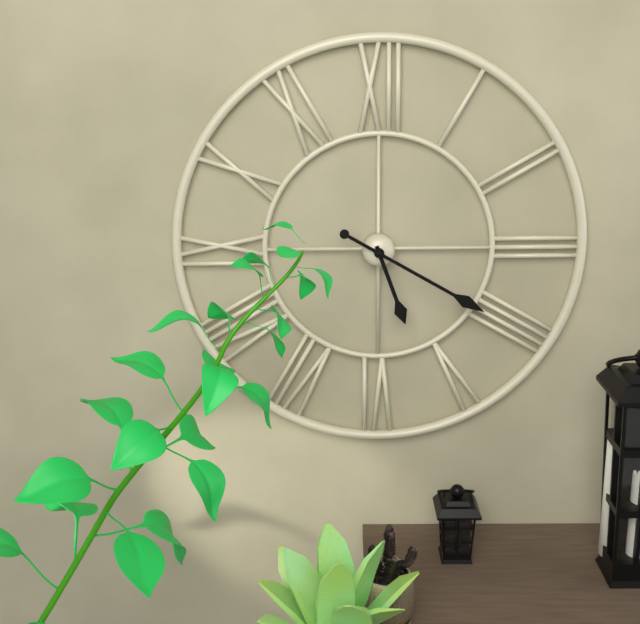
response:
h=5 m=20
